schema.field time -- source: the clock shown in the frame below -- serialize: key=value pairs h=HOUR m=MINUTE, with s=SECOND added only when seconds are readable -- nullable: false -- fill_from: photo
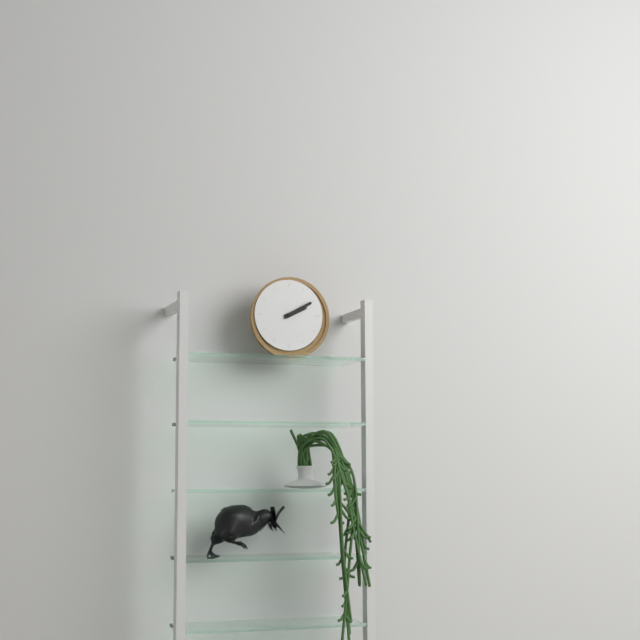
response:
h=2 m=10
